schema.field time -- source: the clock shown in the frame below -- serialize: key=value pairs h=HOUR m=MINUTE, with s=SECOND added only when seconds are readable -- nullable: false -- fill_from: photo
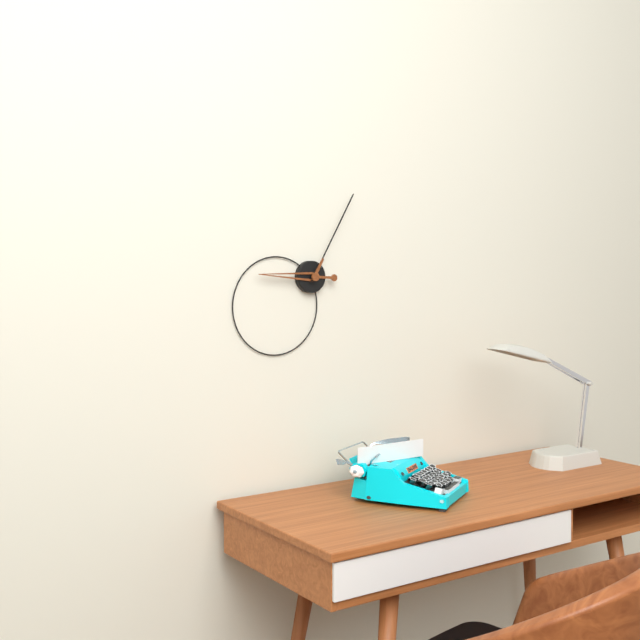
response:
h=9 m=5
